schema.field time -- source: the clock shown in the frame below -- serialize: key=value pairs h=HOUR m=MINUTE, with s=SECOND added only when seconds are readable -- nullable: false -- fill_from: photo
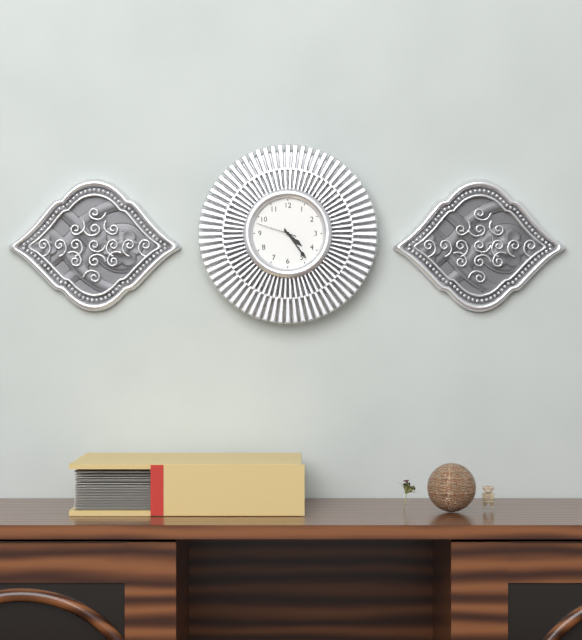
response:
h=4 m=24
